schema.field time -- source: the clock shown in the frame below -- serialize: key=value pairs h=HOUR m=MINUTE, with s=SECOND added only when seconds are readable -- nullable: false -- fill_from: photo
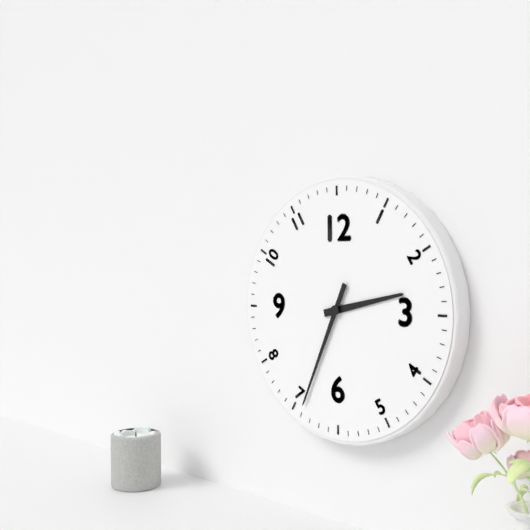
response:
h=2 m=34
